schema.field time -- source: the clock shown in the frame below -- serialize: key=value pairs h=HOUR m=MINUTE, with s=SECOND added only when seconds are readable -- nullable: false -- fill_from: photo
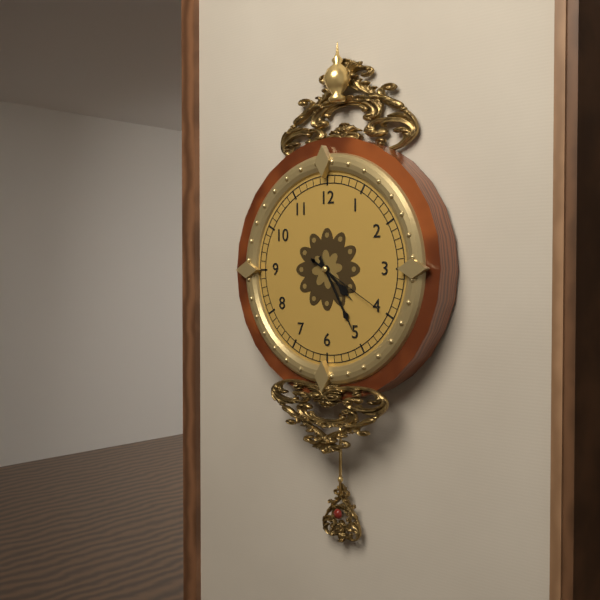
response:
h=4 m=25 s=20
